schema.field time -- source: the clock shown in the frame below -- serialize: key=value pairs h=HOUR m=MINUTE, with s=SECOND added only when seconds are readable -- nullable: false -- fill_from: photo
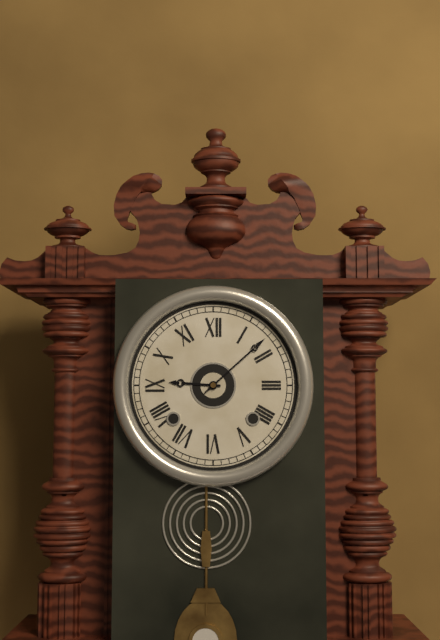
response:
h=9 m=8
